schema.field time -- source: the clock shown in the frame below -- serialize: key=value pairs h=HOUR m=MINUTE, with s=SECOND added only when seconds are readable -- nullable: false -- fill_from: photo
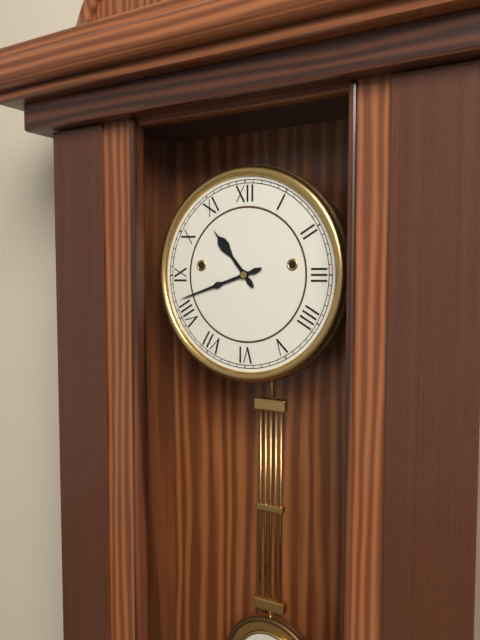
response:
h=10 m=42
